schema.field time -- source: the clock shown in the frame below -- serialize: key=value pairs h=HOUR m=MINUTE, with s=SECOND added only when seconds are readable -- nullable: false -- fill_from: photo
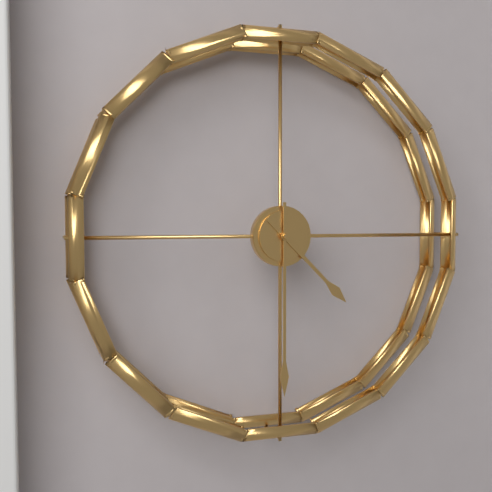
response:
h=4 m=30
